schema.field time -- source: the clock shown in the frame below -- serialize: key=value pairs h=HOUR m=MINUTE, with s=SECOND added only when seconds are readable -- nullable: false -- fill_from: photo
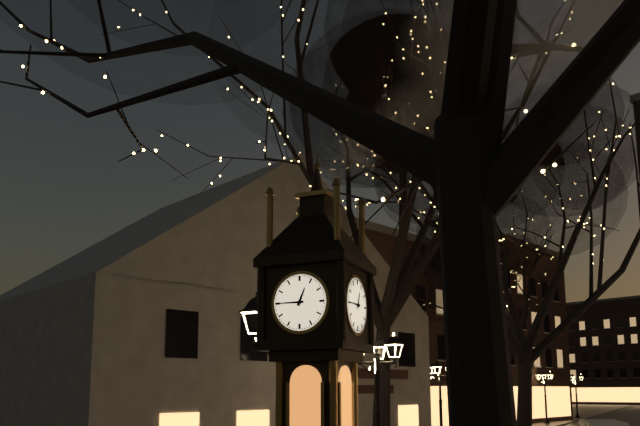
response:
h=12 m=45
